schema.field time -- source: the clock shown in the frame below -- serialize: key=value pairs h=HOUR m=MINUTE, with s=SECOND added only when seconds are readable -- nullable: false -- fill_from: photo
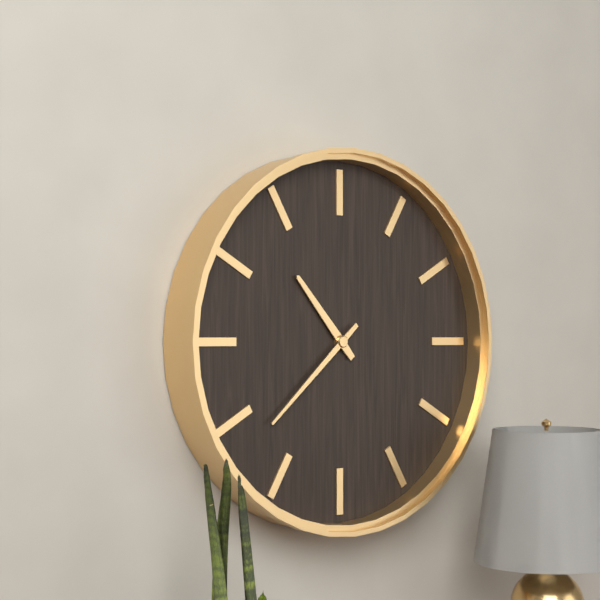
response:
h=10 m=38
